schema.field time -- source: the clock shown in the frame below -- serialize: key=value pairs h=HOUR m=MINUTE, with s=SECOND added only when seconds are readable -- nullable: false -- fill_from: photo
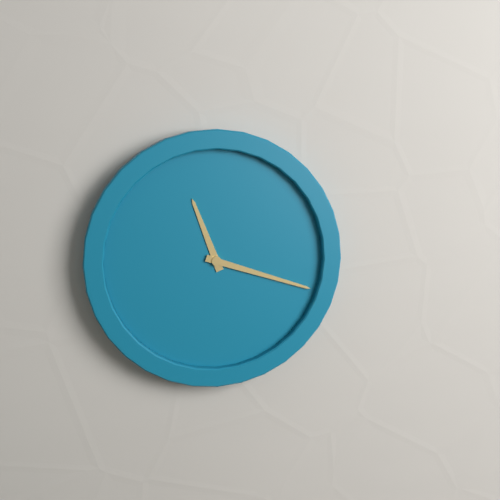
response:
h=11 m=18
